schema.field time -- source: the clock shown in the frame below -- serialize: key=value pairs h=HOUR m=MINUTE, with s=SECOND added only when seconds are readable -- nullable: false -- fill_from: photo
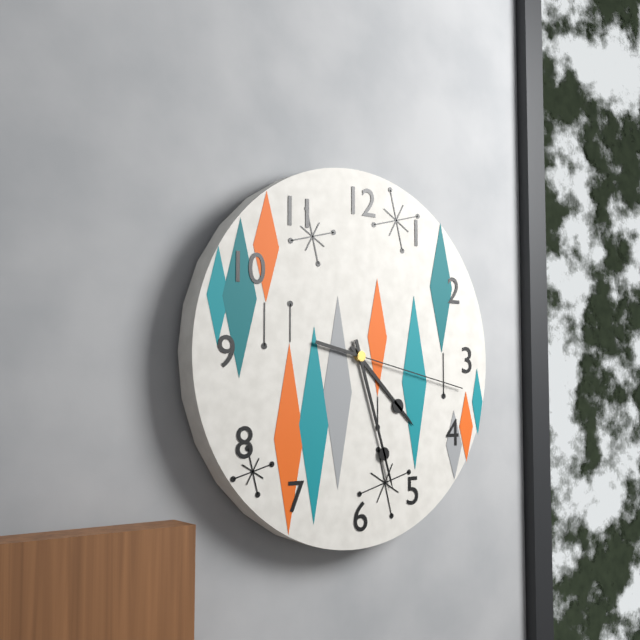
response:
h=4 m=27 s=17
